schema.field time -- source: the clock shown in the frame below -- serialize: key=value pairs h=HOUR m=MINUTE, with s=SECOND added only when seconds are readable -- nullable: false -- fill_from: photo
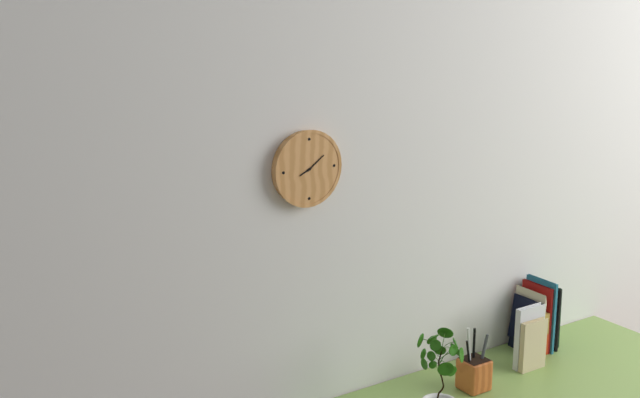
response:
h=8 m=9
